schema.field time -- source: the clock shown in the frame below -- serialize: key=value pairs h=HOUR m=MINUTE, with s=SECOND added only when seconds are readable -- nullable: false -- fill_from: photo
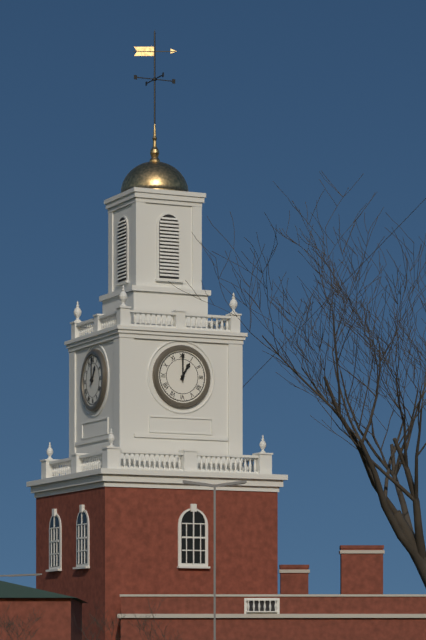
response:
h=1 m=0
